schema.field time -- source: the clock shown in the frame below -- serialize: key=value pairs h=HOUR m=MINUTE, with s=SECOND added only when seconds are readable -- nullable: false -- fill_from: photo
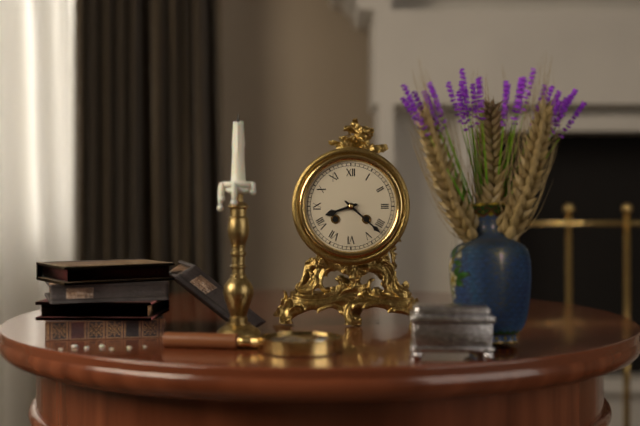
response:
h=8 m=22
